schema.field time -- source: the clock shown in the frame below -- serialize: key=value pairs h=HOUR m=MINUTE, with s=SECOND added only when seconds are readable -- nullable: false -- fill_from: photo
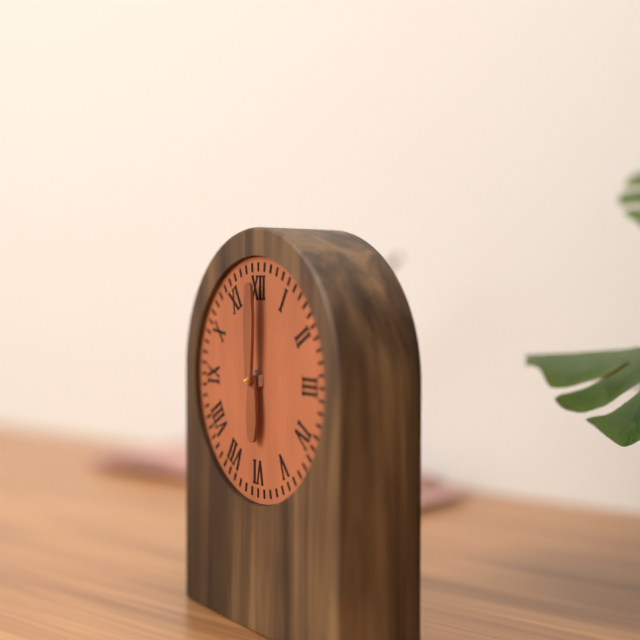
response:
h=6 m=0
